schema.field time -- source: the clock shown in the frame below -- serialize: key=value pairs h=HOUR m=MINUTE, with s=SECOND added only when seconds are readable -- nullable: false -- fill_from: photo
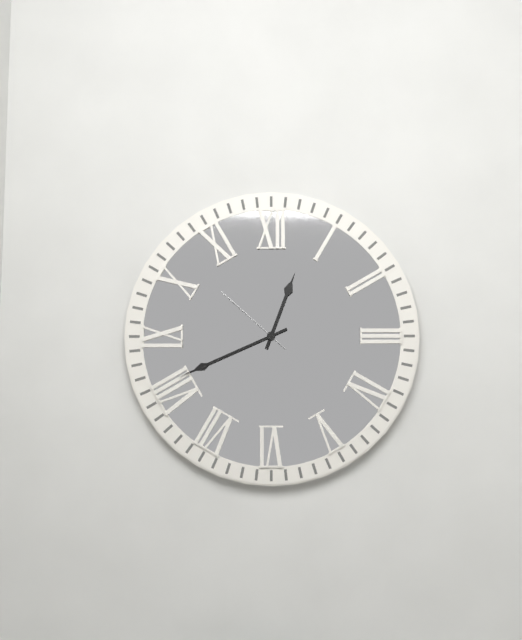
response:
h=12 m=41 s=52
